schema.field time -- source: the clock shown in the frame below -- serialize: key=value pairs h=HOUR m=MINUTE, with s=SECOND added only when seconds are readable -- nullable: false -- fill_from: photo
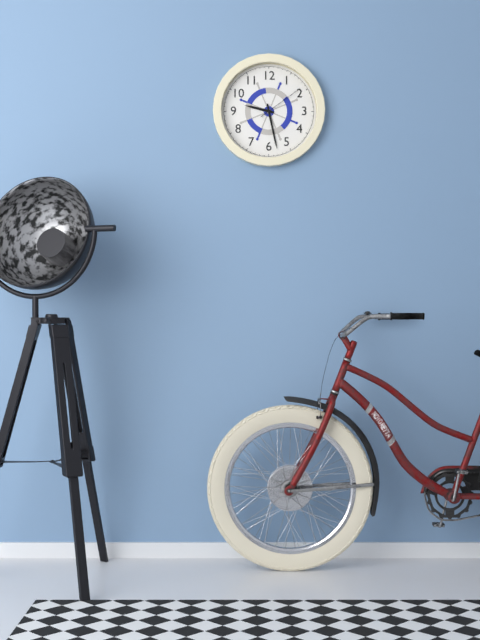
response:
h=9 m=28
